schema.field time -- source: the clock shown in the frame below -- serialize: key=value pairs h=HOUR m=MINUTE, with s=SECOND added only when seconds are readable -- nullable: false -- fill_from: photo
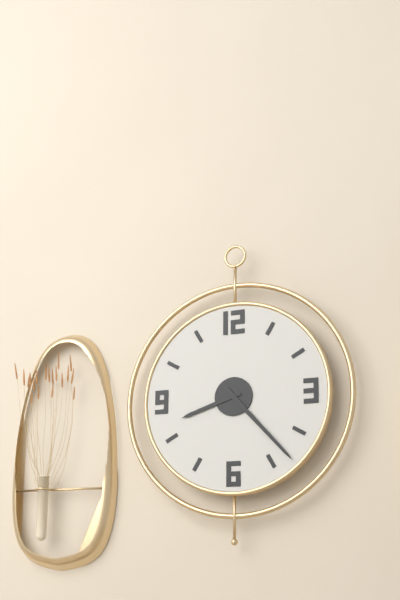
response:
h=8 m=23
